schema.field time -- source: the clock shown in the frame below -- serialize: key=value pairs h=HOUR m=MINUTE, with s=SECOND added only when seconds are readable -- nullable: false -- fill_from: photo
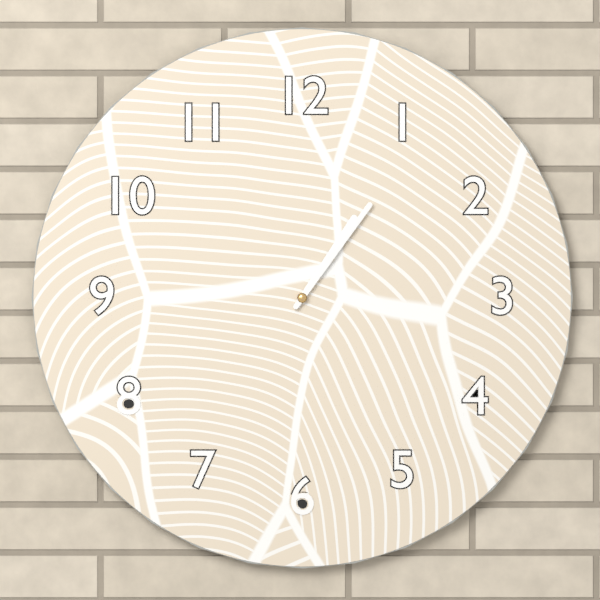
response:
h=1 m=6
